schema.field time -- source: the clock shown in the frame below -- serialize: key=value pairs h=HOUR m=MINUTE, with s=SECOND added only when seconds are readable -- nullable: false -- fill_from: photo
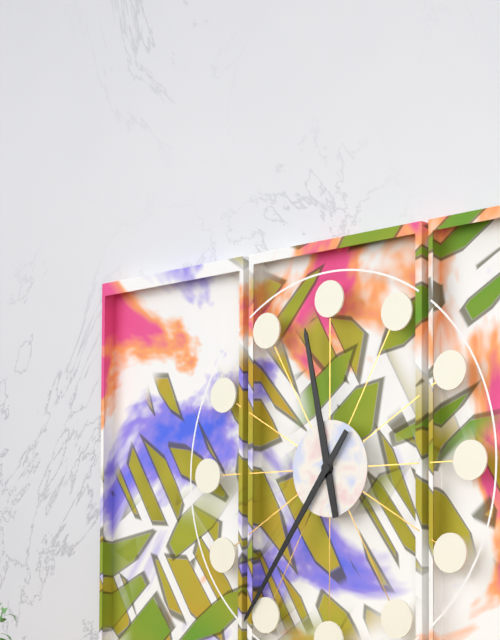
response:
h=11 m=36
